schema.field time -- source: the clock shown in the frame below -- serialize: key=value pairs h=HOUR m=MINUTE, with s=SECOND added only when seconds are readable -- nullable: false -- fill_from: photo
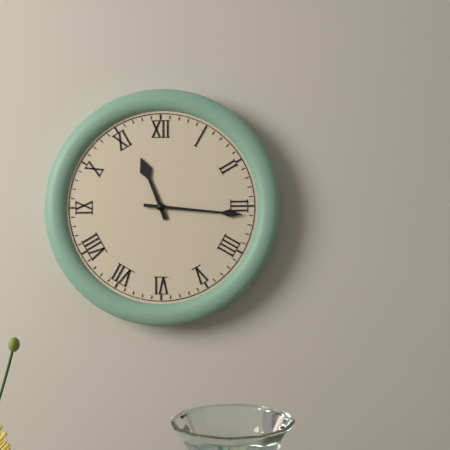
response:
h=11 m=16
